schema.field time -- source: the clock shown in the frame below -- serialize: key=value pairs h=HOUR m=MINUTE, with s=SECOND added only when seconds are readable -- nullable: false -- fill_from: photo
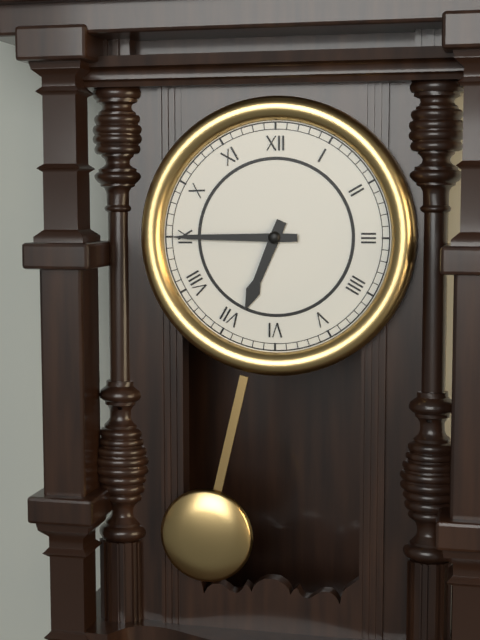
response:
h=6 m=45
